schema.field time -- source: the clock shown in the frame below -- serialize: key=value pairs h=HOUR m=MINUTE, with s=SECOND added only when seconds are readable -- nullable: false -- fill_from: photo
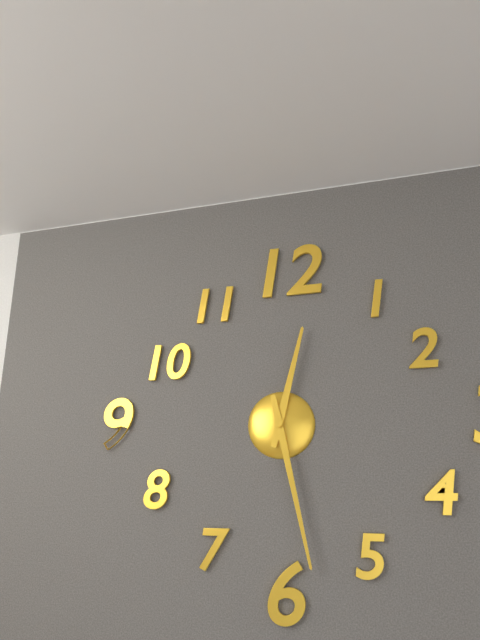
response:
h=12 m=28
